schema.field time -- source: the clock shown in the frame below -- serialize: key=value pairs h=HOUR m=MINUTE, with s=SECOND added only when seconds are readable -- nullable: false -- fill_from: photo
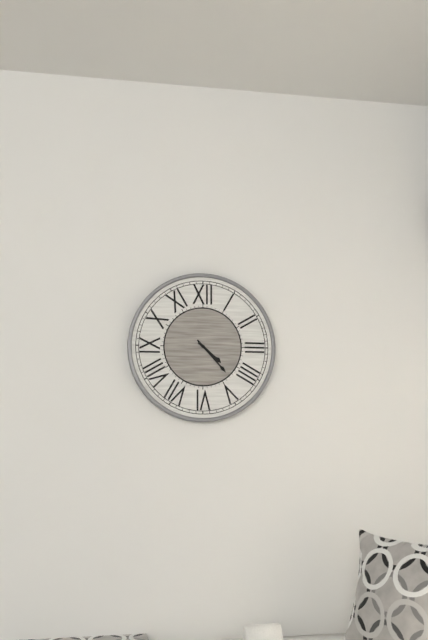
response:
h=4 m=23
